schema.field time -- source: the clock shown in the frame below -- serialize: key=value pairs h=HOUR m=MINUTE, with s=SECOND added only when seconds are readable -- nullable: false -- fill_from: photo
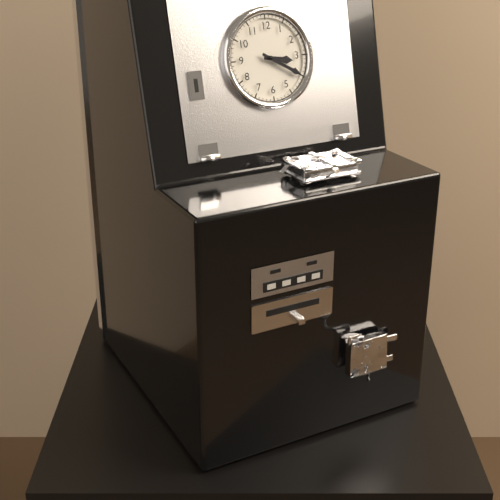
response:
h=3 m=20
